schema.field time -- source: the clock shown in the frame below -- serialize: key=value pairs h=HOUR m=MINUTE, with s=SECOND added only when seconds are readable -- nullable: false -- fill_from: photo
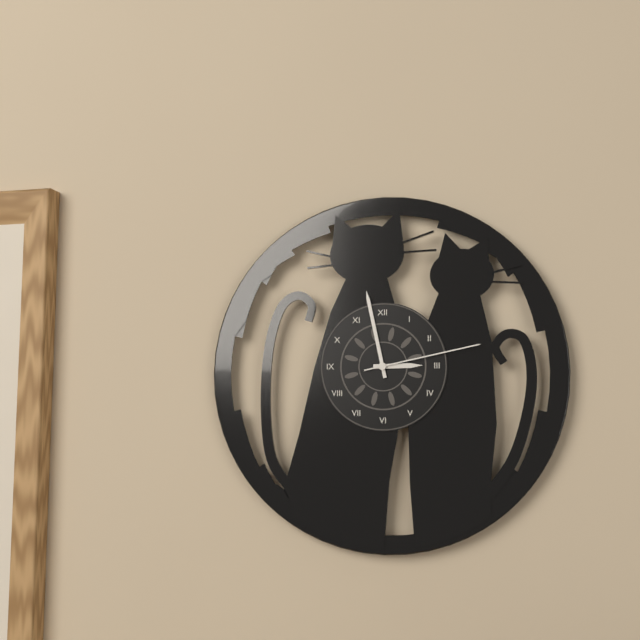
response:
h=2 m=58 s=13
